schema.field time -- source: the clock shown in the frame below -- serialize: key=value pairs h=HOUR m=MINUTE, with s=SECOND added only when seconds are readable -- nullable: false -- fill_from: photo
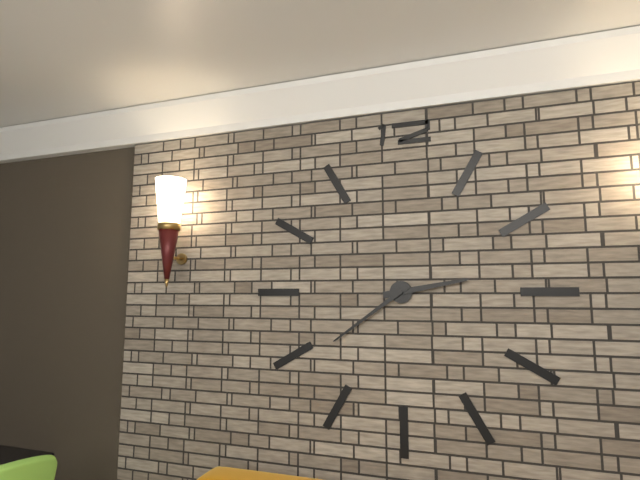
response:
h=2 m=39
